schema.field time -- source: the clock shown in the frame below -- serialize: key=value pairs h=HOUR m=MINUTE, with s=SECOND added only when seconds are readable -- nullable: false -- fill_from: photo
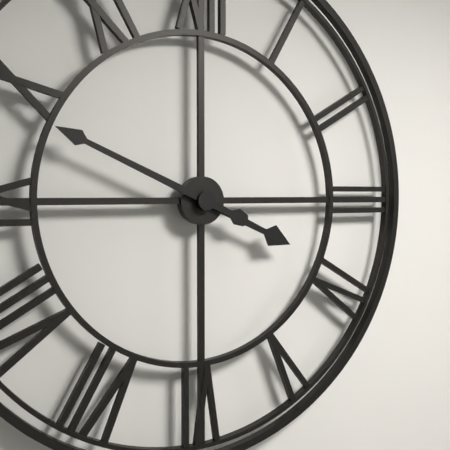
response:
h=3 m=49
